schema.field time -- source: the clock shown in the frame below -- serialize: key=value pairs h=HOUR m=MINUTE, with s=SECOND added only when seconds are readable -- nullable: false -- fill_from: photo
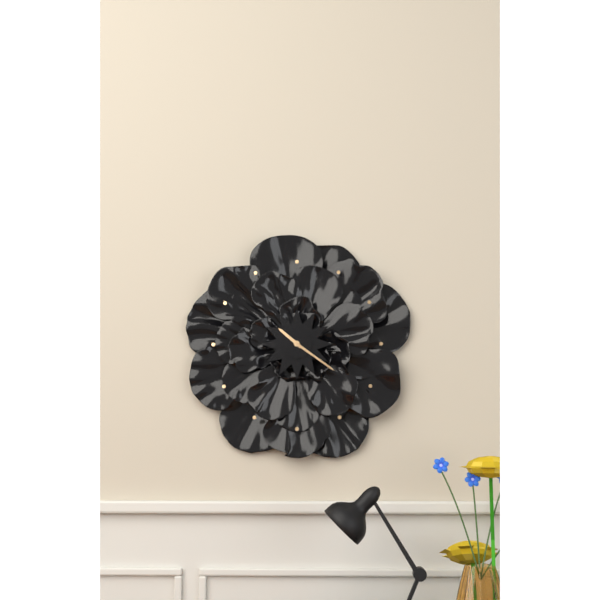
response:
h=10 m=21
